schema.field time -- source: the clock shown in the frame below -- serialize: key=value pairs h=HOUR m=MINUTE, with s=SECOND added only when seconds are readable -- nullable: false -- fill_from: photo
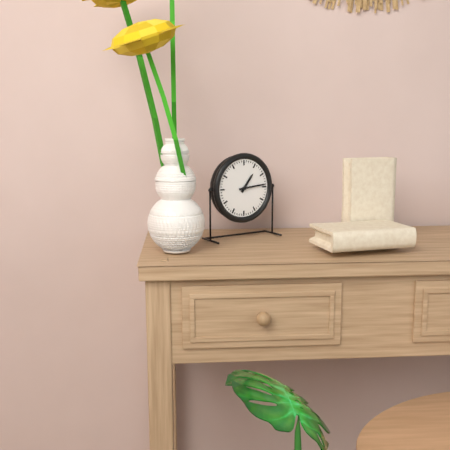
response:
h=1 m=14
